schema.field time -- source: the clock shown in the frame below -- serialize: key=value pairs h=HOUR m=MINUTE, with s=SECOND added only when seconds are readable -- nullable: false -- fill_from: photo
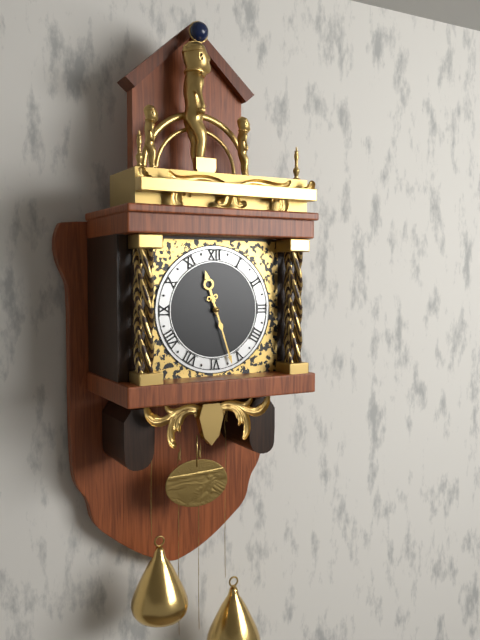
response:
h=11 m=27
